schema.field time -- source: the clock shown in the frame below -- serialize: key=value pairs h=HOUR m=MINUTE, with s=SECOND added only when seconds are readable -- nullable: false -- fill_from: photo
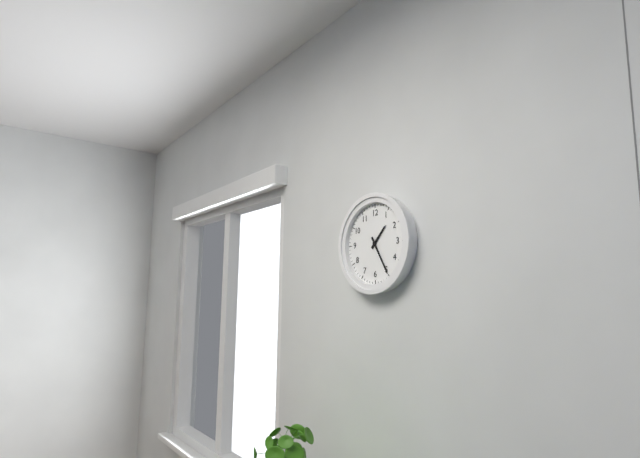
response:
h=1 m=25
